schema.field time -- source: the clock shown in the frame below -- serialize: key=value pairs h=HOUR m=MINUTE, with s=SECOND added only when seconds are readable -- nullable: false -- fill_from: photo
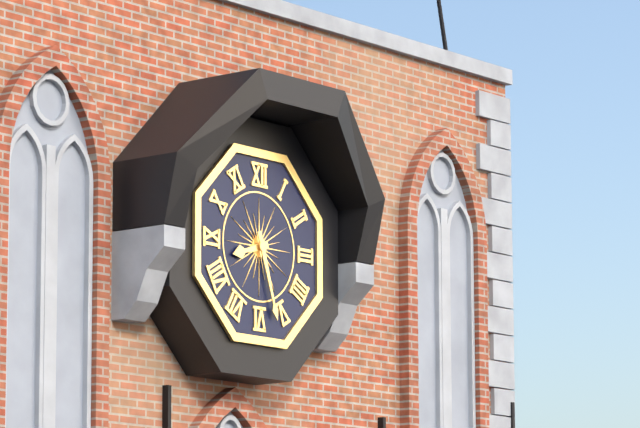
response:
h=8 m=27
